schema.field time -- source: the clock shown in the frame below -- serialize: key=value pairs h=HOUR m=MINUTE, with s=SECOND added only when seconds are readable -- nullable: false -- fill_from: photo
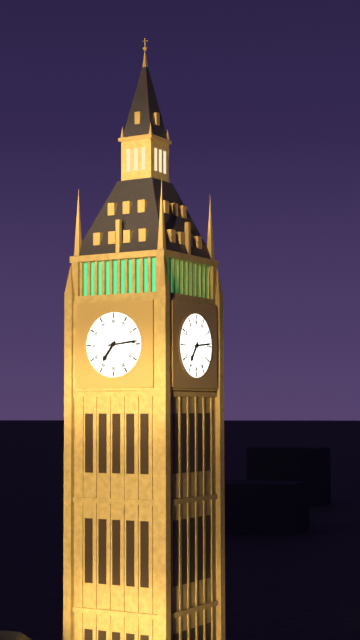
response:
h=7 m=14
